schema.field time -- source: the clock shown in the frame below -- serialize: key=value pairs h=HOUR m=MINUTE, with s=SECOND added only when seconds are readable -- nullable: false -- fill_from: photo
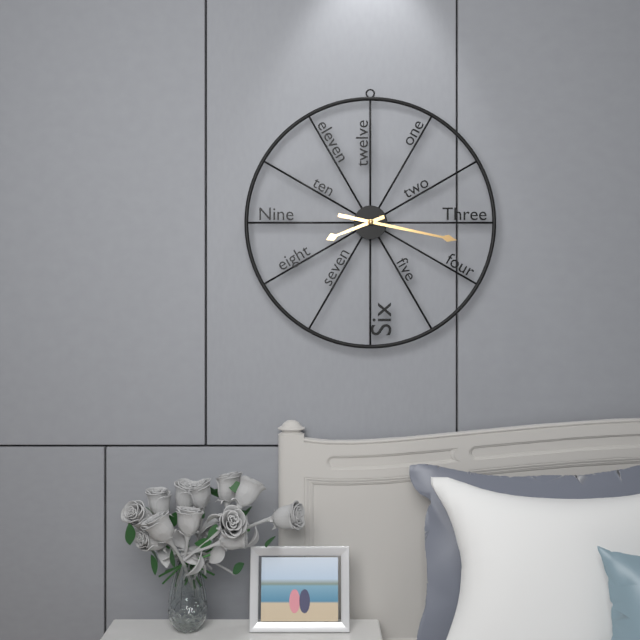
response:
h=8 m=17
